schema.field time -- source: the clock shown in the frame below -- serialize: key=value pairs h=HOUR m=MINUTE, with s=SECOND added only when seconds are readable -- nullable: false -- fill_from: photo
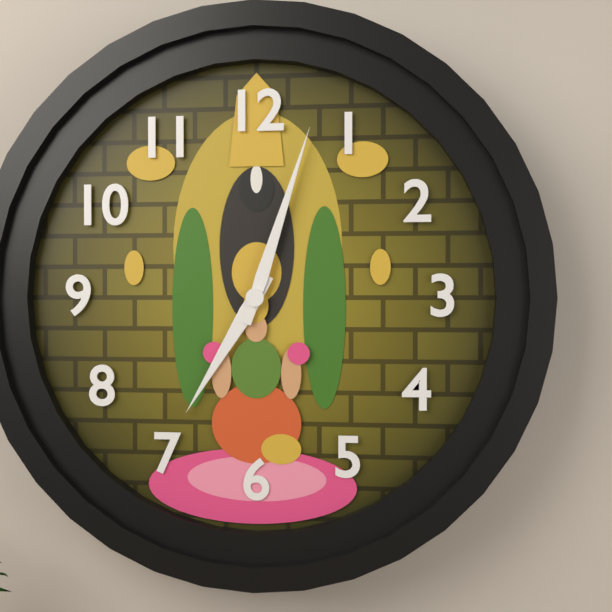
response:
h=7 m=3
